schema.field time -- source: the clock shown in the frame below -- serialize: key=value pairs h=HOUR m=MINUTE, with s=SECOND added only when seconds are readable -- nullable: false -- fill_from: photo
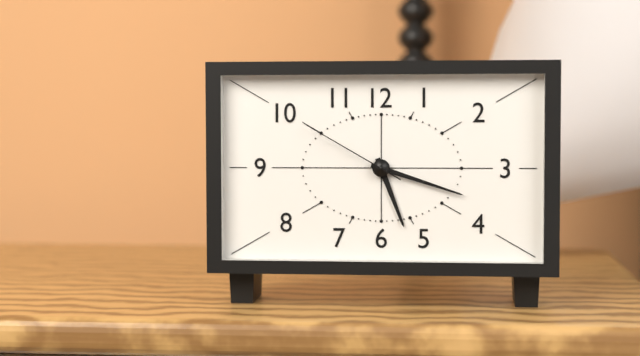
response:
h=5 m=18 s=50
